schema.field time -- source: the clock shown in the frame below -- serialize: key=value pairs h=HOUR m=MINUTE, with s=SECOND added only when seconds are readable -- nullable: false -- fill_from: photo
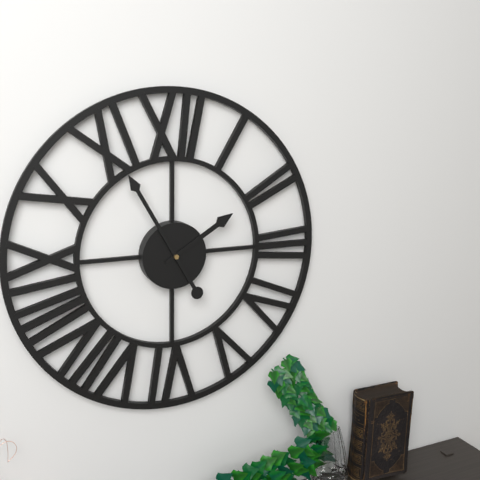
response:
h=1 m=55
